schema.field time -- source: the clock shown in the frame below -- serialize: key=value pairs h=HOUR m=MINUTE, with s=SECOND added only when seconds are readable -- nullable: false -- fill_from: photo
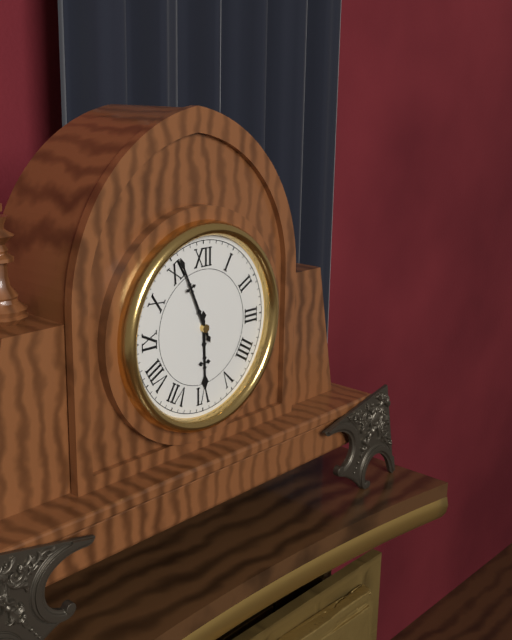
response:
h=5 m=56
